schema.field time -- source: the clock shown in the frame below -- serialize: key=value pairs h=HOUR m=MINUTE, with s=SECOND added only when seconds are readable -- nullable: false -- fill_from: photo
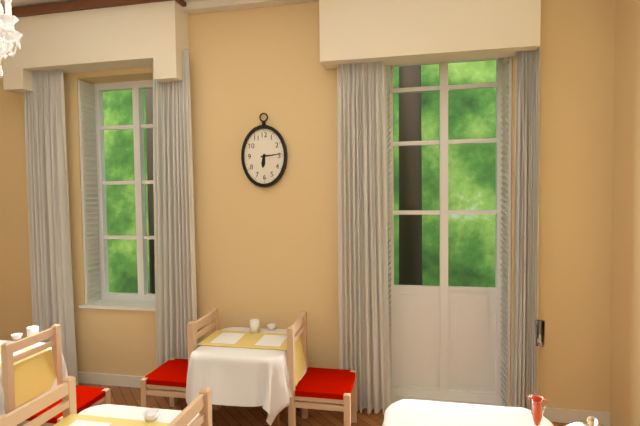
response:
h=6 m=14
